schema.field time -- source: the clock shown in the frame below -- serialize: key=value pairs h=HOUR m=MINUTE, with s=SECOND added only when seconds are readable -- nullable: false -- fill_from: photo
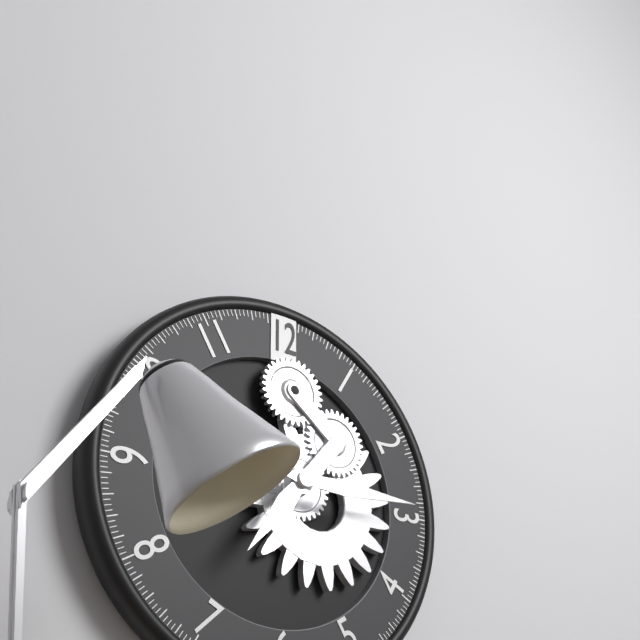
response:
h=7 m=15
